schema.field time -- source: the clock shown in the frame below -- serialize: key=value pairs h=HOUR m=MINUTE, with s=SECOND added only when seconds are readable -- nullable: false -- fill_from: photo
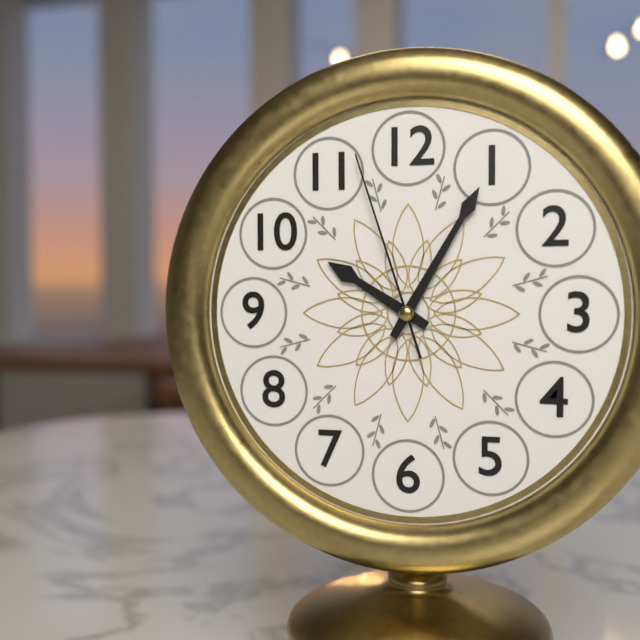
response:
h=10 m=5 s=57
